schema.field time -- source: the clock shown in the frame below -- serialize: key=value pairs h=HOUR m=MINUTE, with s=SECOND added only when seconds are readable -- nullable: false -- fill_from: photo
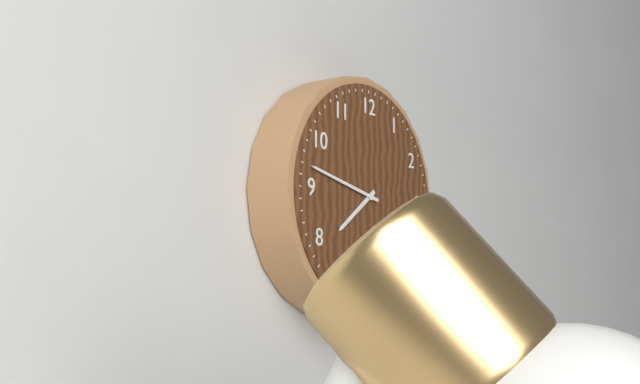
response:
h=7 m=47
